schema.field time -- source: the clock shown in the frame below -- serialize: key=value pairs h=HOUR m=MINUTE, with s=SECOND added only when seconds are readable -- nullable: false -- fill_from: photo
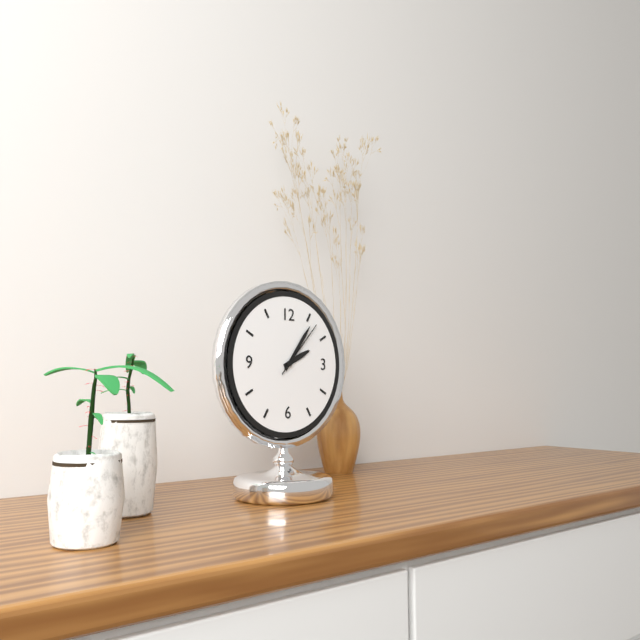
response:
h=2 m=6 s=7
